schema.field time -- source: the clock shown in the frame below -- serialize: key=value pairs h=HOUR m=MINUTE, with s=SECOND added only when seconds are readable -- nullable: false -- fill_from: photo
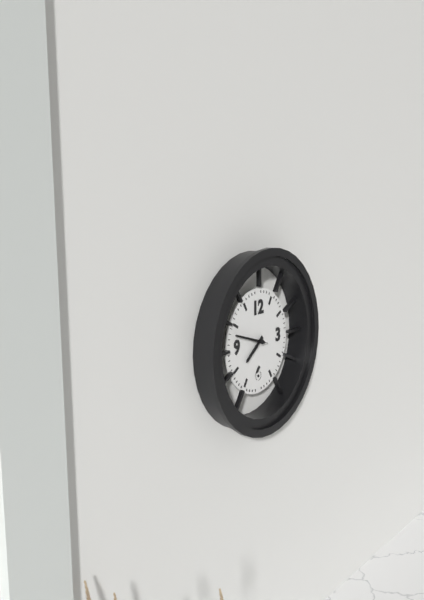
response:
h=7 m=48
